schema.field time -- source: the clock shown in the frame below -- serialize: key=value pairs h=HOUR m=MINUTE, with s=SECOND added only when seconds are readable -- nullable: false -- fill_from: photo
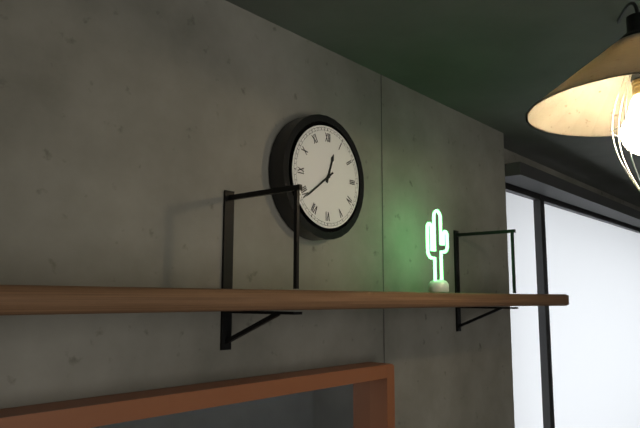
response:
h=12 m=39
